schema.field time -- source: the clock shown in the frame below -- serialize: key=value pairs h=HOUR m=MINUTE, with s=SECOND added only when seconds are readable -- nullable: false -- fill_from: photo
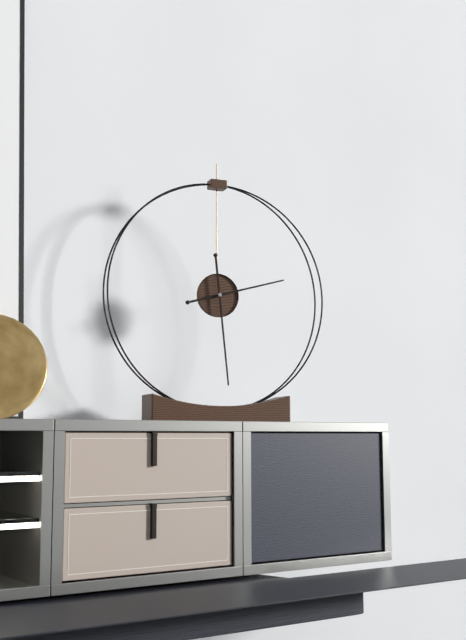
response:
h=2 m=29
